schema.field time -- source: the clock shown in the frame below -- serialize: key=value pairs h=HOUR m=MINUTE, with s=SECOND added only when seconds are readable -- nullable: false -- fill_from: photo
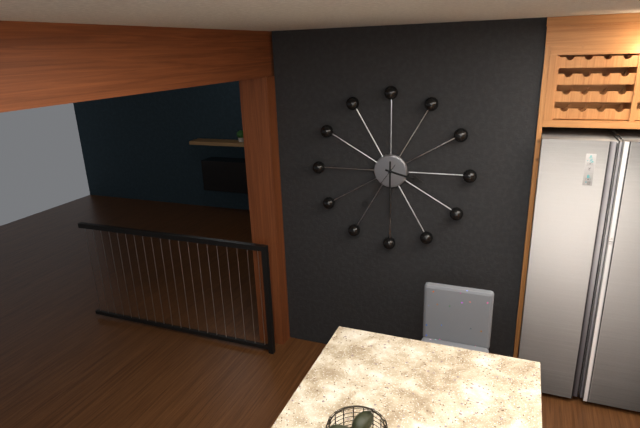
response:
h=3 m=30 s=36
